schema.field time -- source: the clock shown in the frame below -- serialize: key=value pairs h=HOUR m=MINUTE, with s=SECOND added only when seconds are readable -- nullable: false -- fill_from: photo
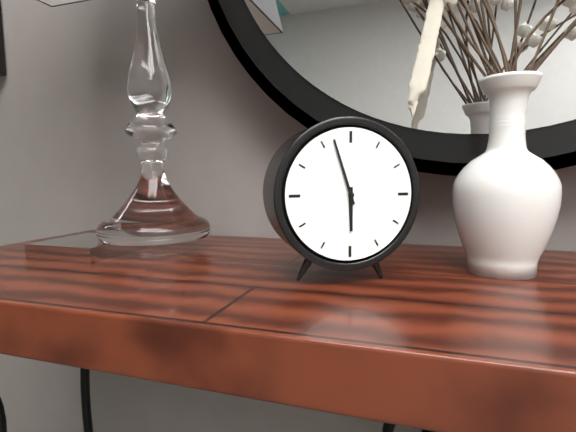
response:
h=5 m=57
